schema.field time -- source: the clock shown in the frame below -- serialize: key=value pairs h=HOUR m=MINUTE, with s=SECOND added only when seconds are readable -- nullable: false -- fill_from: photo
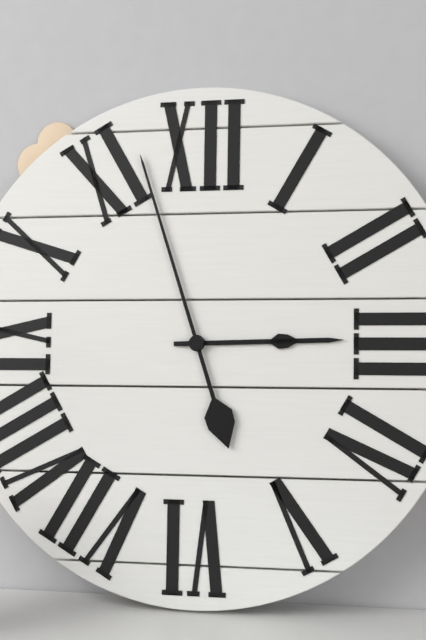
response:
h=2 m=57
